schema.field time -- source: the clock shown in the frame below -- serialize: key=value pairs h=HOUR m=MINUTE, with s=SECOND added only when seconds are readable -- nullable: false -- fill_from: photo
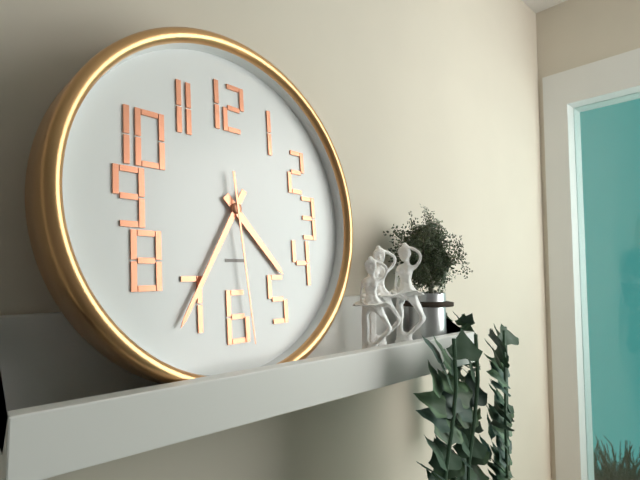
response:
h=4 m=35 s=29
